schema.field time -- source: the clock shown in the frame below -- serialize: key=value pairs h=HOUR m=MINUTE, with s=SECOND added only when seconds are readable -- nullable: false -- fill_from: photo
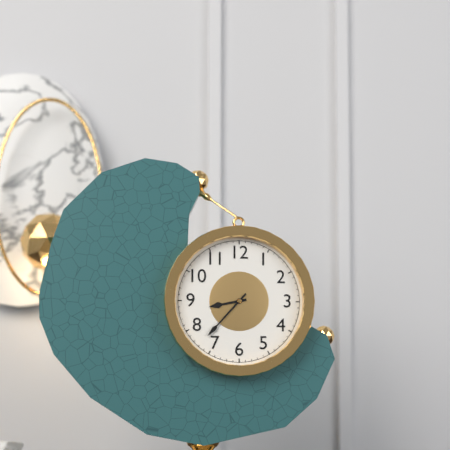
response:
h=8 m=37
